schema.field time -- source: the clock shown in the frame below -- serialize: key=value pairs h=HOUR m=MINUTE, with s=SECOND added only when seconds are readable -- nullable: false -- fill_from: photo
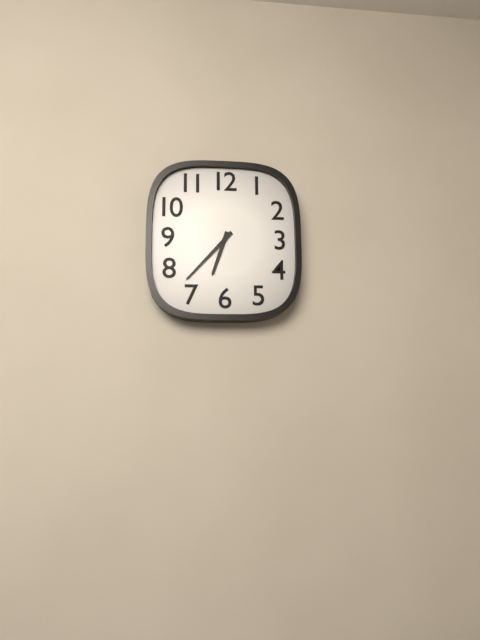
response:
h=6 m=37
